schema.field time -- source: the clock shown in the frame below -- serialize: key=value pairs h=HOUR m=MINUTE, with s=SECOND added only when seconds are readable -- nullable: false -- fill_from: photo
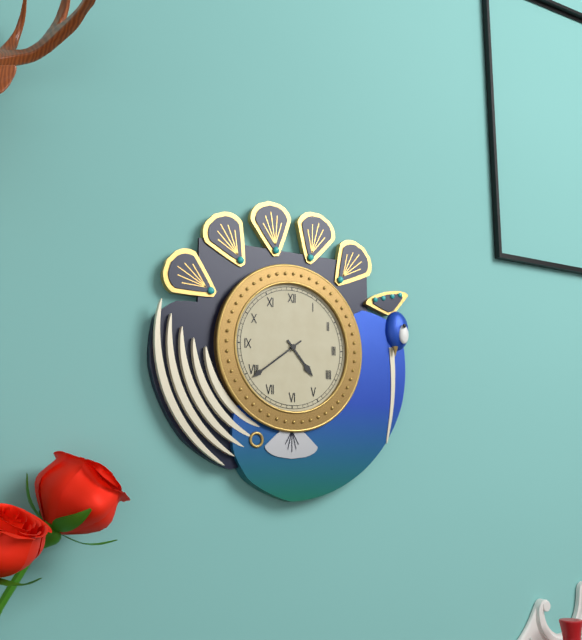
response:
h=4 m=39
